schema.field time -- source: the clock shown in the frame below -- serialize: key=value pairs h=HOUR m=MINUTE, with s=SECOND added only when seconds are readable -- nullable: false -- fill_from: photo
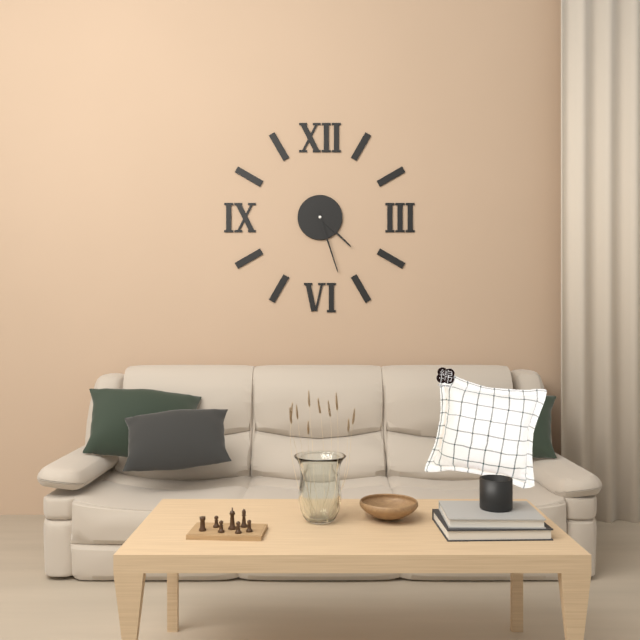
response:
h=4 m=27
